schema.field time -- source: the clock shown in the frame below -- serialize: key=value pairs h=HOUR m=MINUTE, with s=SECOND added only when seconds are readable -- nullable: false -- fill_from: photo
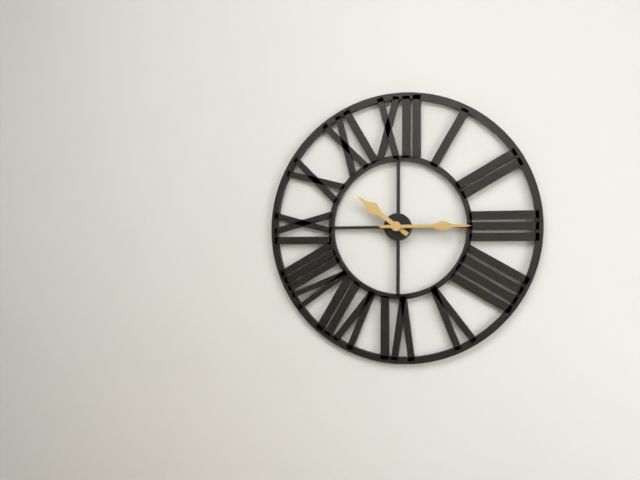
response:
h=10 m=15
